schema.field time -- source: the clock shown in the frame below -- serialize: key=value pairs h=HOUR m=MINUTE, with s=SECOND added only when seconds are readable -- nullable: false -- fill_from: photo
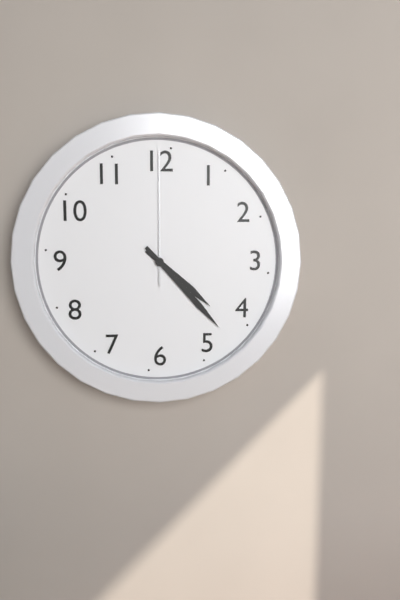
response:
h=4 m=23 s=0
